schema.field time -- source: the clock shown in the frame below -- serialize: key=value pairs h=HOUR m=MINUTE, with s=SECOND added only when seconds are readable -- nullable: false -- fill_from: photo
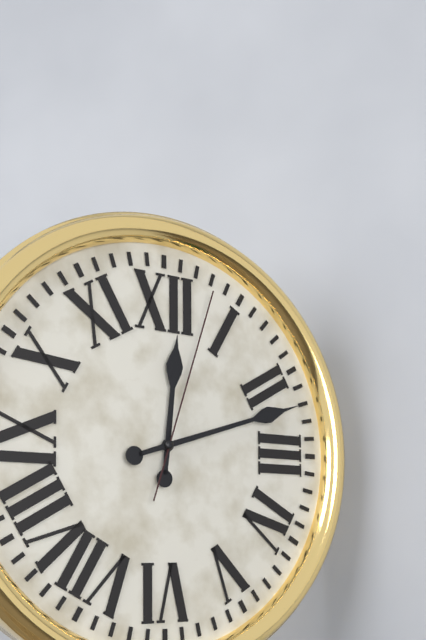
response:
h=12 m=12 s=3
